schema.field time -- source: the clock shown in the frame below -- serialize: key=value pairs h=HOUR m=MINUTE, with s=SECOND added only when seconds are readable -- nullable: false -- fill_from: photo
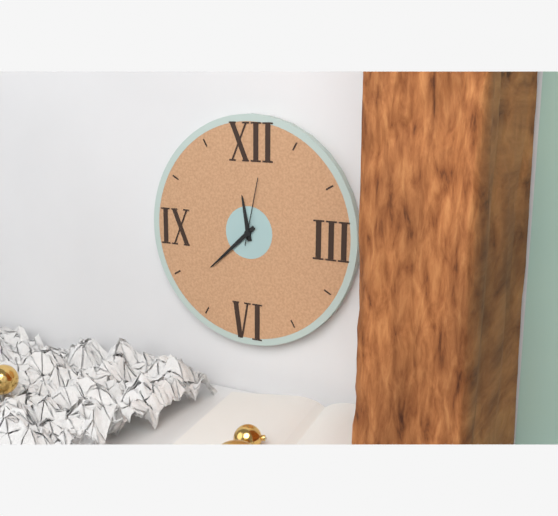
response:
h=11 m=38 s=2
